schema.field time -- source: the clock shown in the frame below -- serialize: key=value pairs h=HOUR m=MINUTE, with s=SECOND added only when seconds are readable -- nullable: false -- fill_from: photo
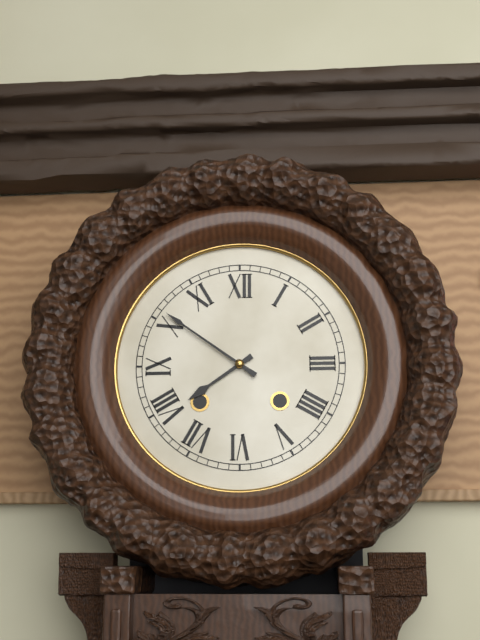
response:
h=7 m=51
